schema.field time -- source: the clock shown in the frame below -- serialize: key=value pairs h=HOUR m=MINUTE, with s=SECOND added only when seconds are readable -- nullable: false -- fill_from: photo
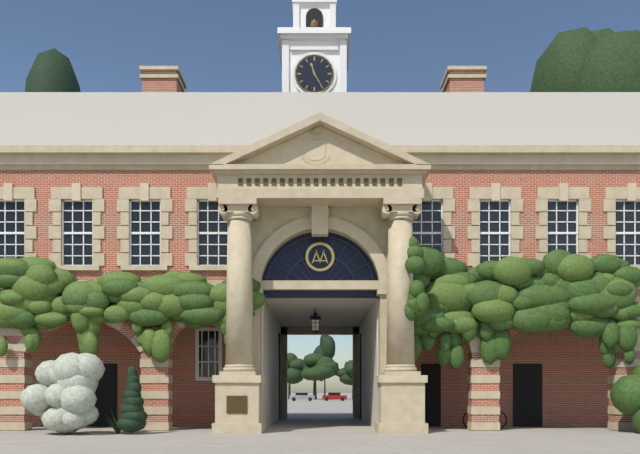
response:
h=11 m=25
